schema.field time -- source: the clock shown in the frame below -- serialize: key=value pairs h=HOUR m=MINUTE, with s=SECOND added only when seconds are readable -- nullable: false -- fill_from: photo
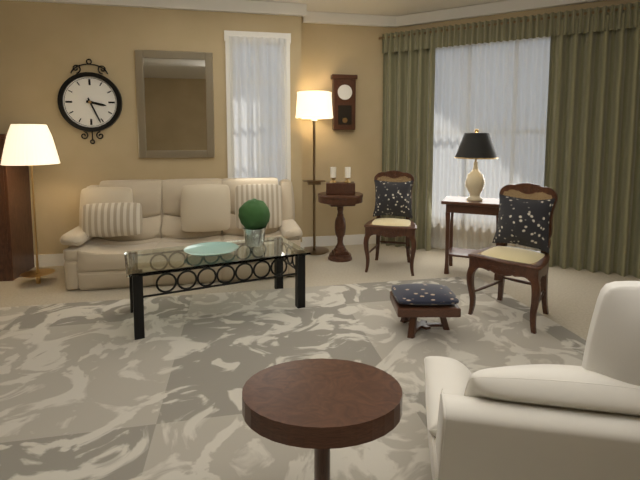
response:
h=3 m=26
